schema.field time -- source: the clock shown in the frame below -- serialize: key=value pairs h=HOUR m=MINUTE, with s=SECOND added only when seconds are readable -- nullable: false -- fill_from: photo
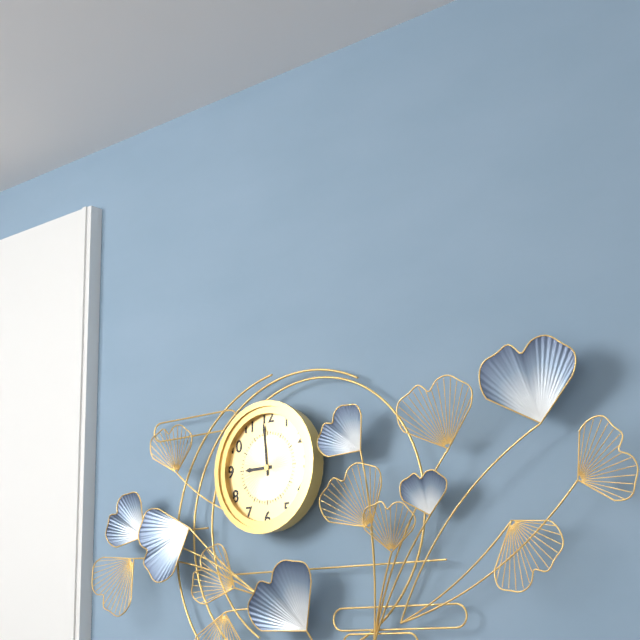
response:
h=8 m=59
